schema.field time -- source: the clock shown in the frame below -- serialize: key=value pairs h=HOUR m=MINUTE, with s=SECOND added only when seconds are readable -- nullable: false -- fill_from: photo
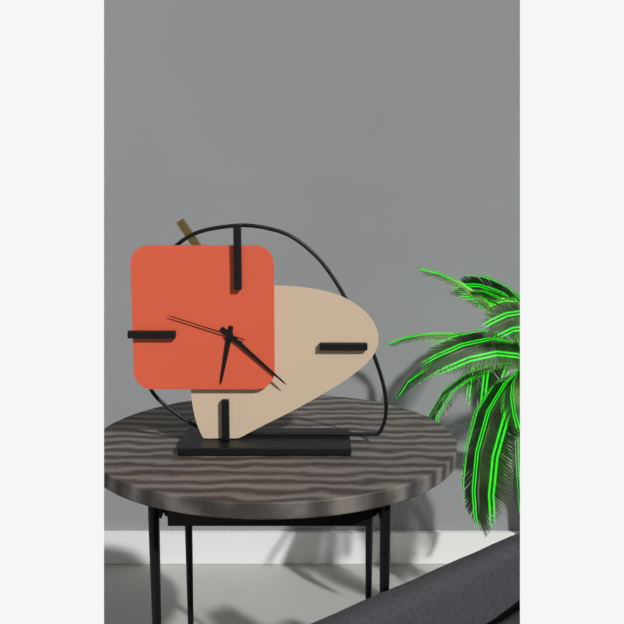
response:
h=6 m=22 s=48
